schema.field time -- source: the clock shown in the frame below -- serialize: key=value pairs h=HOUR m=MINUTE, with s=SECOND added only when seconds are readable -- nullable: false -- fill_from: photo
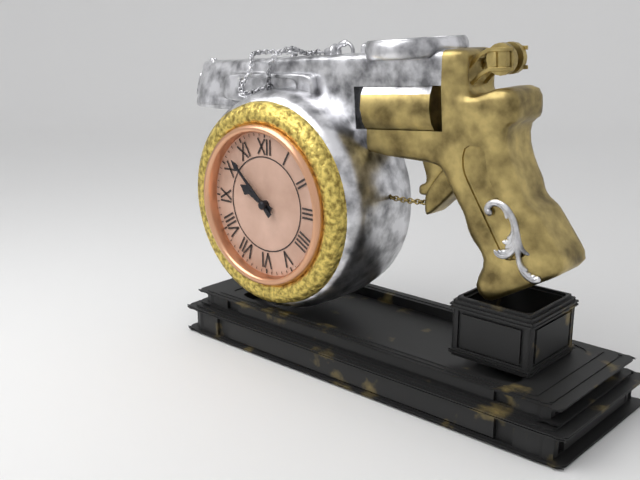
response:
h=9 m=52
